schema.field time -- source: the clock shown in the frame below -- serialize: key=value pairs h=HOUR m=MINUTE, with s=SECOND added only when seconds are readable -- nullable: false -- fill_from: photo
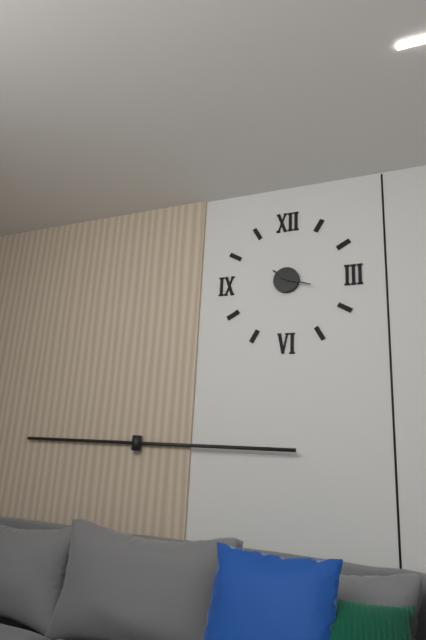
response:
h=10 m=18
